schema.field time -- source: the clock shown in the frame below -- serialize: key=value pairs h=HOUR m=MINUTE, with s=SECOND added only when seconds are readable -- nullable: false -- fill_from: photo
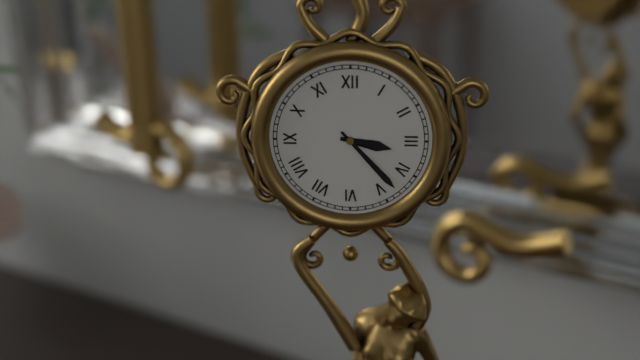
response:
h=3 m=23
